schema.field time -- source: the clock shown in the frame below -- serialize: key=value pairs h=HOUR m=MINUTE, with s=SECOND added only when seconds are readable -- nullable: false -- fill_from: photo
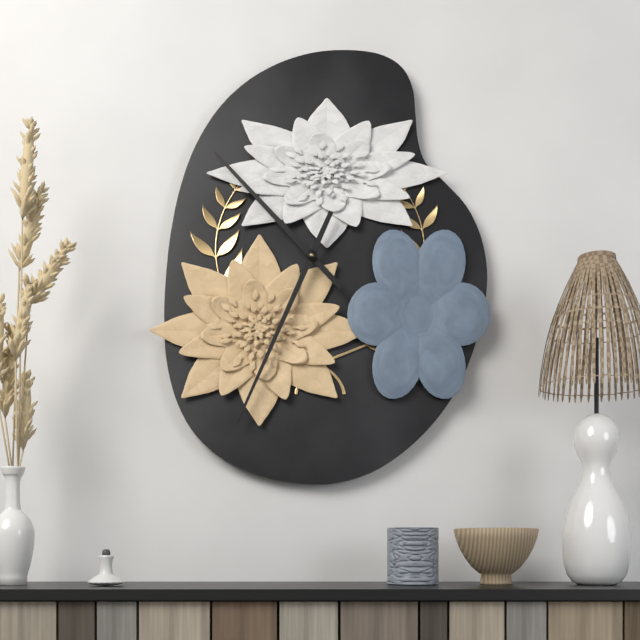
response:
h=10 m=34
